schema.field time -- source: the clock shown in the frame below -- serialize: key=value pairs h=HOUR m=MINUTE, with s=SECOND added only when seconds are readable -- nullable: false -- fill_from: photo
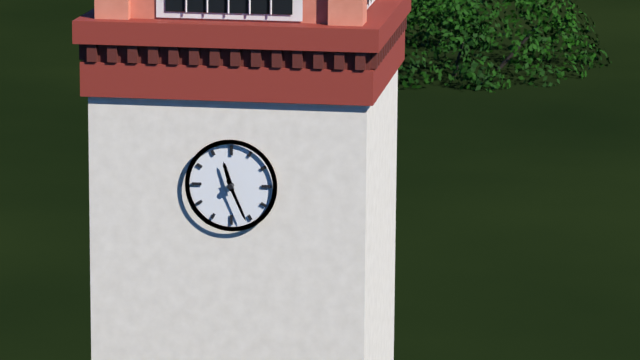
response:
h=11 m=26
